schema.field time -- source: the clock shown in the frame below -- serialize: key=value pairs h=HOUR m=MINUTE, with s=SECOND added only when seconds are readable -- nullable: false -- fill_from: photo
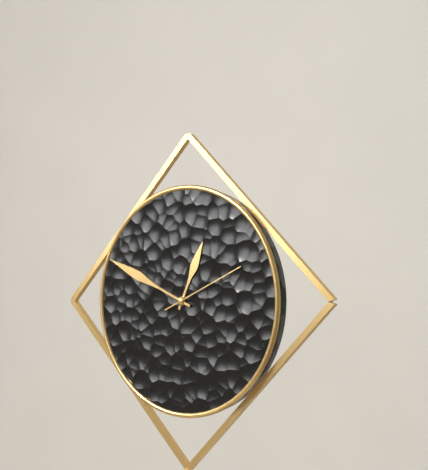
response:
h=12 m=49 s=11
